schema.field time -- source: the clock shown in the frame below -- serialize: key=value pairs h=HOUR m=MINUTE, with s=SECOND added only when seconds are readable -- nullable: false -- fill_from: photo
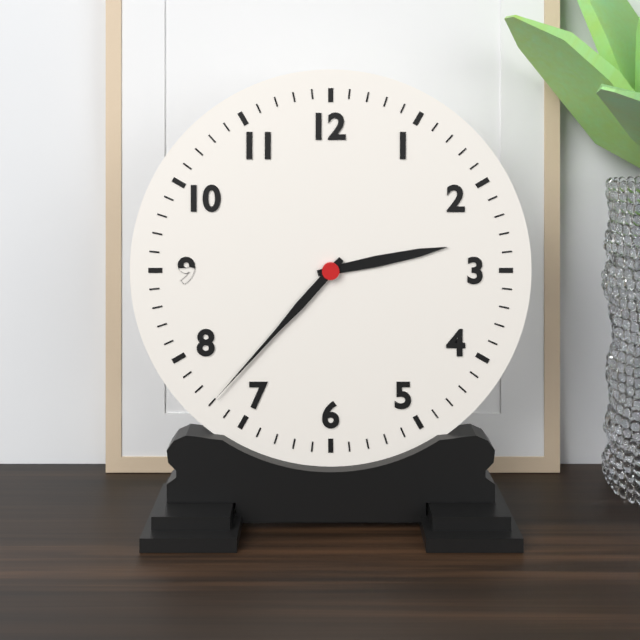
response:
h=2 m=37
